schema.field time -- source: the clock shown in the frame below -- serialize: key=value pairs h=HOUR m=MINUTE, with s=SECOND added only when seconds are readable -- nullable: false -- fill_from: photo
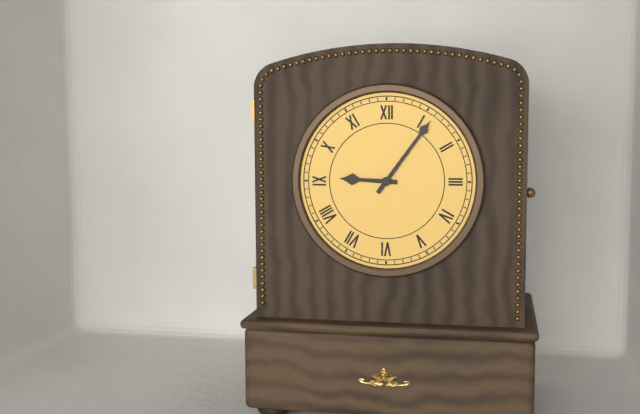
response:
h=9 m=6
